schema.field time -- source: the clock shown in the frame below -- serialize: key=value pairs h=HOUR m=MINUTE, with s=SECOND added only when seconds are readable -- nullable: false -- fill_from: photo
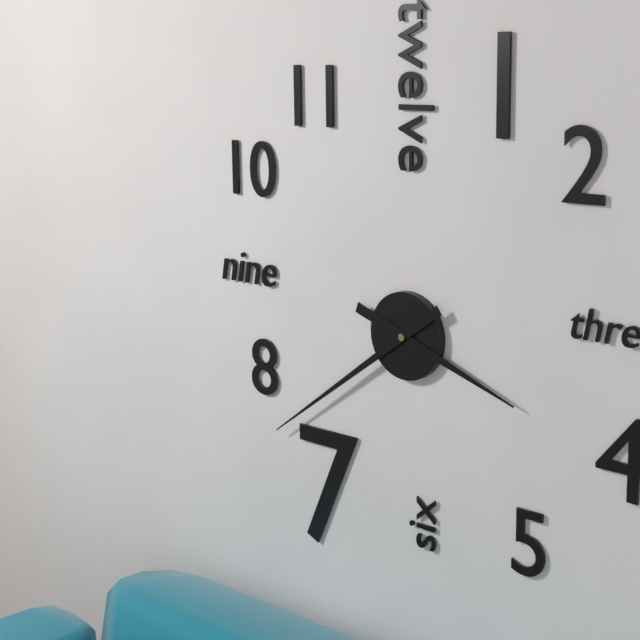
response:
h=3 m=39
